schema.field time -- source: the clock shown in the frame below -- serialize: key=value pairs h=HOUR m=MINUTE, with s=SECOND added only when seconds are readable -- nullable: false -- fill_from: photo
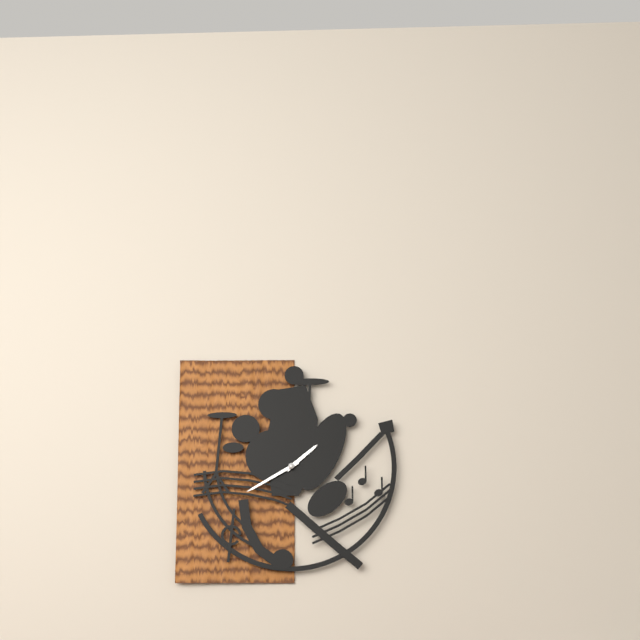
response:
h=1 m=40
